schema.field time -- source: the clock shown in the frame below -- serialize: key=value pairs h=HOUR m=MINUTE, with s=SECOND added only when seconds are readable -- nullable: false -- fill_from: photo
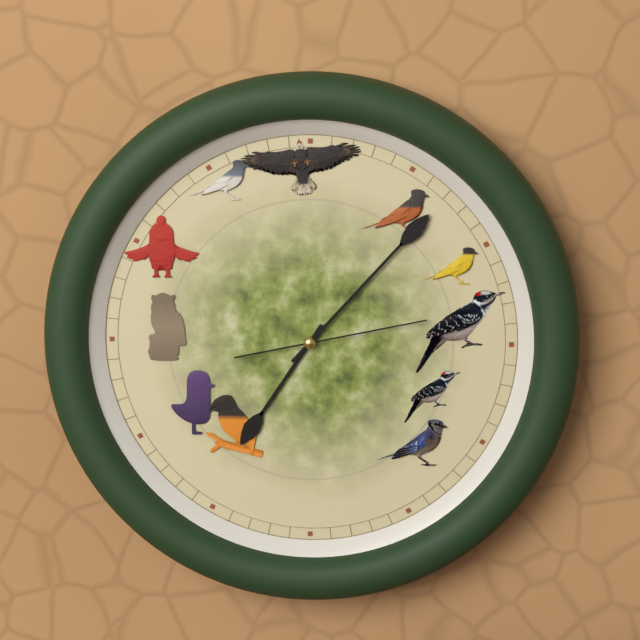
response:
h=7 m=7 s=13
